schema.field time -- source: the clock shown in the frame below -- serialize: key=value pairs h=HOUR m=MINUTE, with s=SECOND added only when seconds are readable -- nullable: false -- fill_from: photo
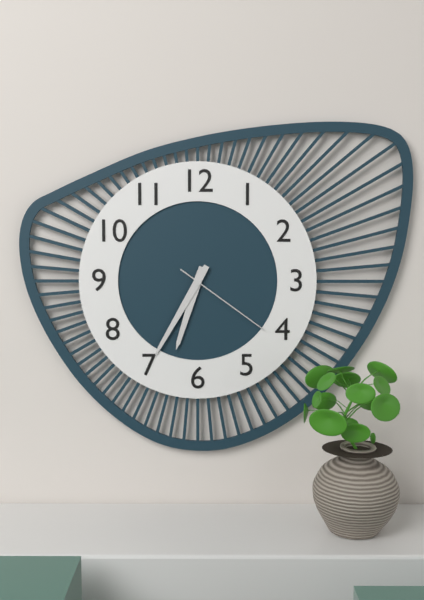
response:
h=6 m=35 s=21
